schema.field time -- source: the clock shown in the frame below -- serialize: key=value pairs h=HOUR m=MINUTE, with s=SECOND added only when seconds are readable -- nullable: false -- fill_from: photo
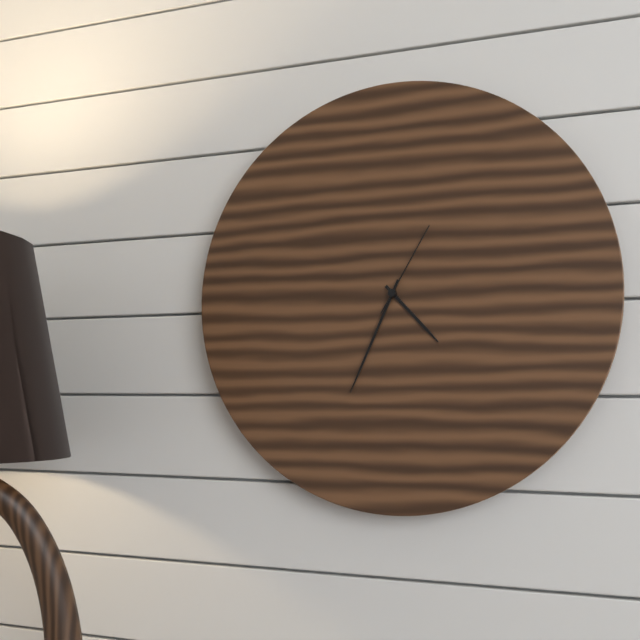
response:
h=4 m=34 s=5
